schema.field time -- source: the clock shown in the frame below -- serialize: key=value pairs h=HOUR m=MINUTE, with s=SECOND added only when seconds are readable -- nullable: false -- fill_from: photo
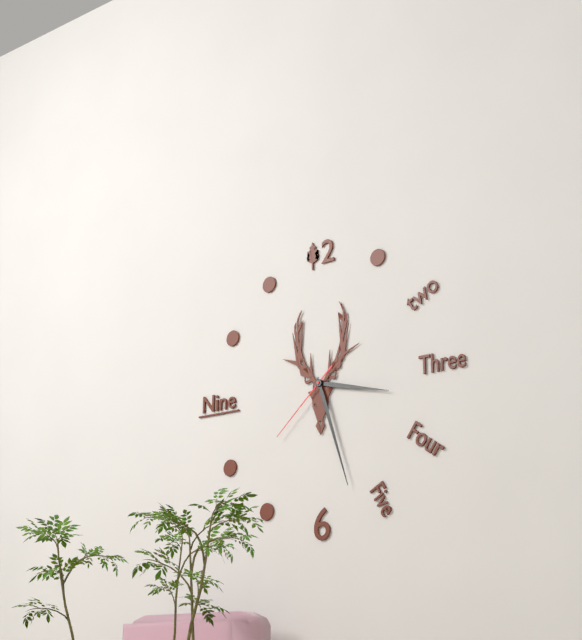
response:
h=3 m=27 s=38
